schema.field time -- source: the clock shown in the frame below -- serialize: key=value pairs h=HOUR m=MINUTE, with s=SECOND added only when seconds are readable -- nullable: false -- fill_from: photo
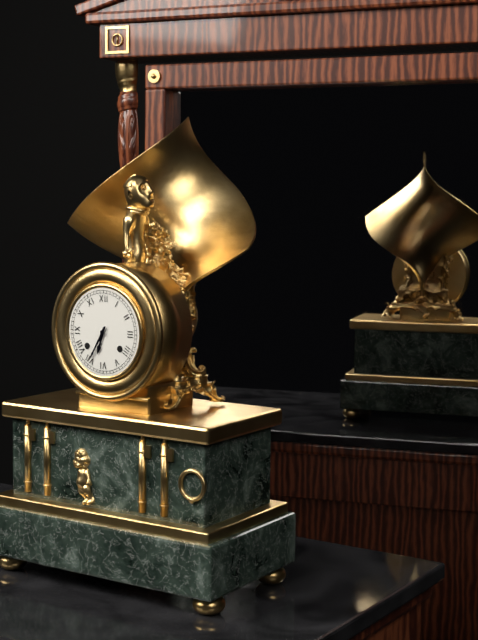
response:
h=6 m=35
